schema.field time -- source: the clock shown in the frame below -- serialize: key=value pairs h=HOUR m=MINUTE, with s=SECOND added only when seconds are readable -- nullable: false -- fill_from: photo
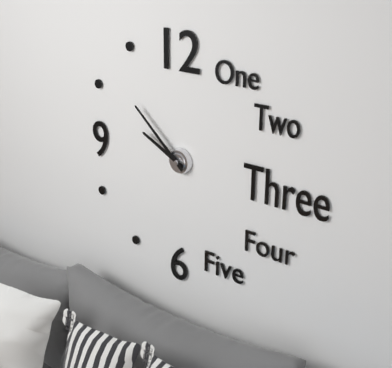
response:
h=9 m=52
